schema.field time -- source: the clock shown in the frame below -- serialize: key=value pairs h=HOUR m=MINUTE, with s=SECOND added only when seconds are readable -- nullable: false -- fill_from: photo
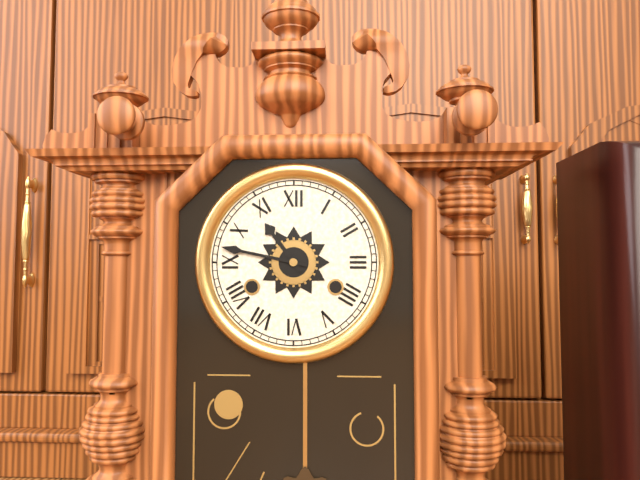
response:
h=10 m=47
